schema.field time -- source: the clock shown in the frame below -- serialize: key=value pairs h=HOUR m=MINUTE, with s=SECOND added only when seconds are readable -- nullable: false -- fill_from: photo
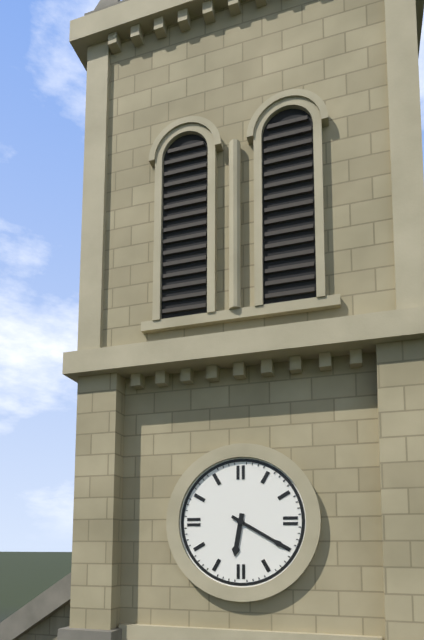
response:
h=6 m=20
